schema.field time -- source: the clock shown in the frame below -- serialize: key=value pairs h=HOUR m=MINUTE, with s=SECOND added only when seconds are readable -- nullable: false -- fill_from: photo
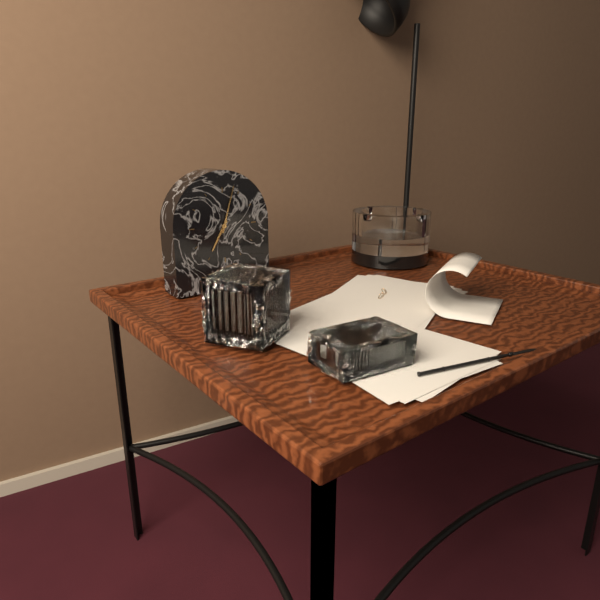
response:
h=7 m=3
